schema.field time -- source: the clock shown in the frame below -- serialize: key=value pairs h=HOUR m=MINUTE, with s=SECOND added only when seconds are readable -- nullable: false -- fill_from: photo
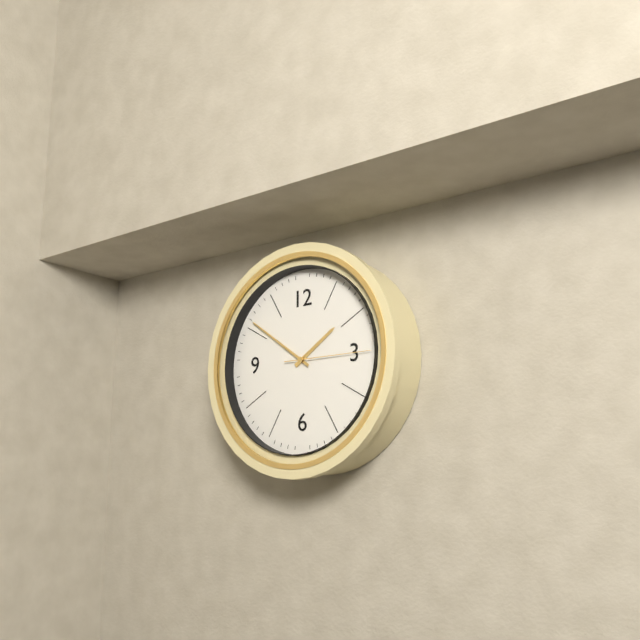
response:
h=1 m=51 s=15
